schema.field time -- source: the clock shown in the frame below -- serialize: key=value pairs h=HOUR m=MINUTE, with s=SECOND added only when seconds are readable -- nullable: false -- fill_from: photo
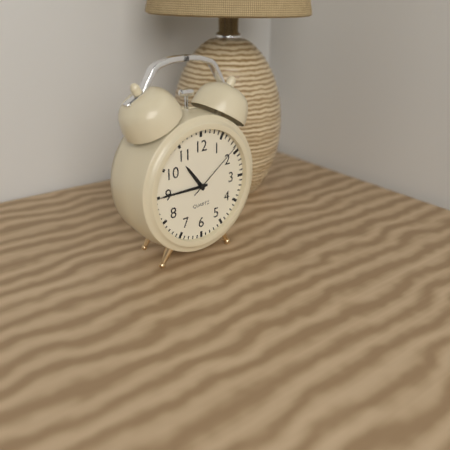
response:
h=10 m=45 s=9
